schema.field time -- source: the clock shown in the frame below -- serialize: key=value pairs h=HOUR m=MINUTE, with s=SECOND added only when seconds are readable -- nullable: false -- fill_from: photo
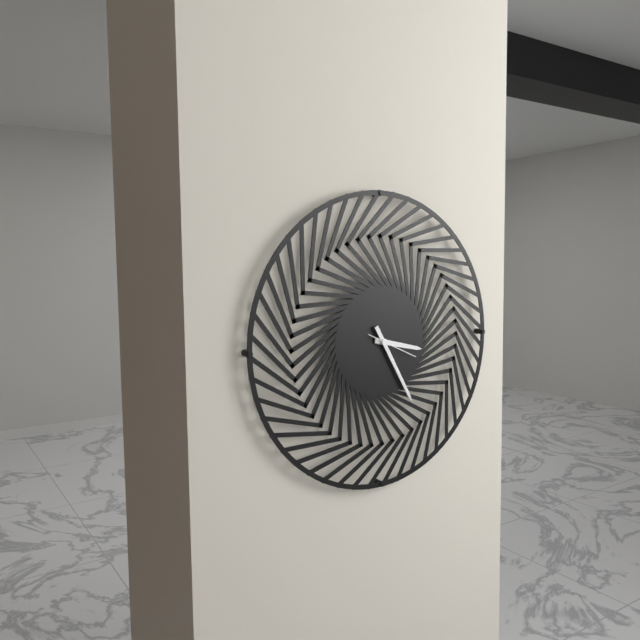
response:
h=3 m=25
